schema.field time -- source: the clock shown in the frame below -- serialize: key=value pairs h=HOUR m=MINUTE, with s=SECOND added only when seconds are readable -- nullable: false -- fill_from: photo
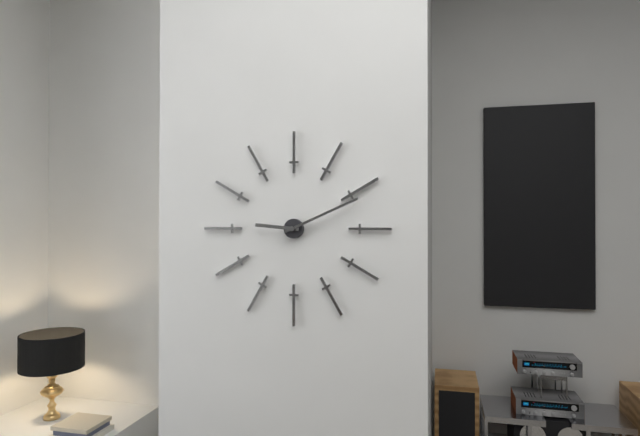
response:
h=9 m=11
